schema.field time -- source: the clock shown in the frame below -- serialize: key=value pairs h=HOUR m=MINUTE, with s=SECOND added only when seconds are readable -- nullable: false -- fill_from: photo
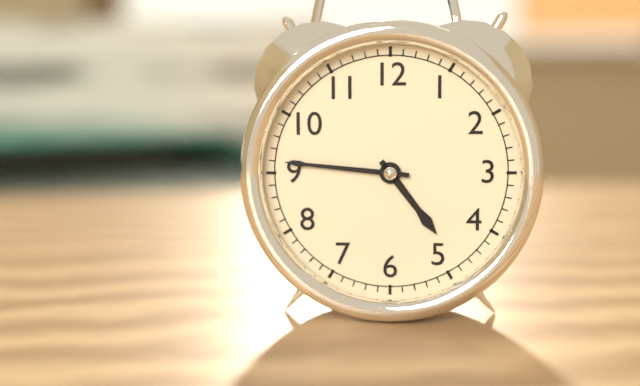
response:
h=4 m=46
